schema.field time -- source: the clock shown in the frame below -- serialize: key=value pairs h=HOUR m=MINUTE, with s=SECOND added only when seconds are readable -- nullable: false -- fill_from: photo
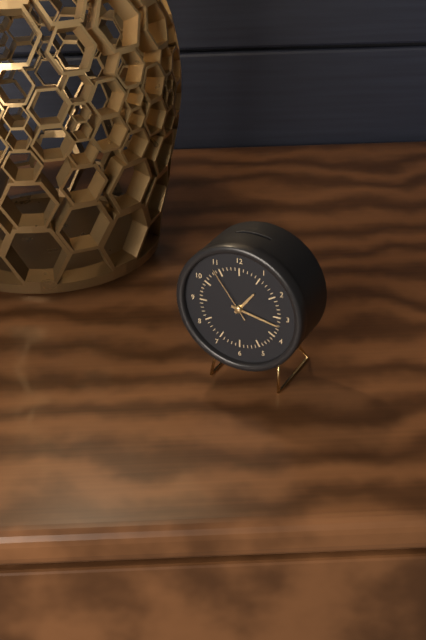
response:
h=1 m=17 s=54
